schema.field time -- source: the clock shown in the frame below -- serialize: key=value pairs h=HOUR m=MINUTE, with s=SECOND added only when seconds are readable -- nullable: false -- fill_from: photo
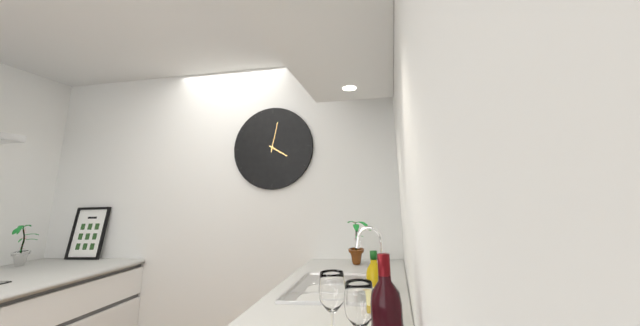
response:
h=4 m=2
